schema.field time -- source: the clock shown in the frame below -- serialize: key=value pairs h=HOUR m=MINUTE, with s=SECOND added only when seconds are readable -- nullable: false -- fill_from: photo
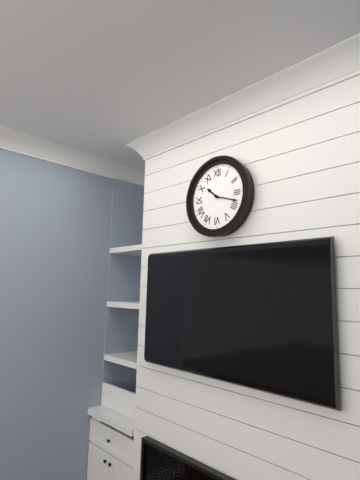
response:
h=10 m=18
